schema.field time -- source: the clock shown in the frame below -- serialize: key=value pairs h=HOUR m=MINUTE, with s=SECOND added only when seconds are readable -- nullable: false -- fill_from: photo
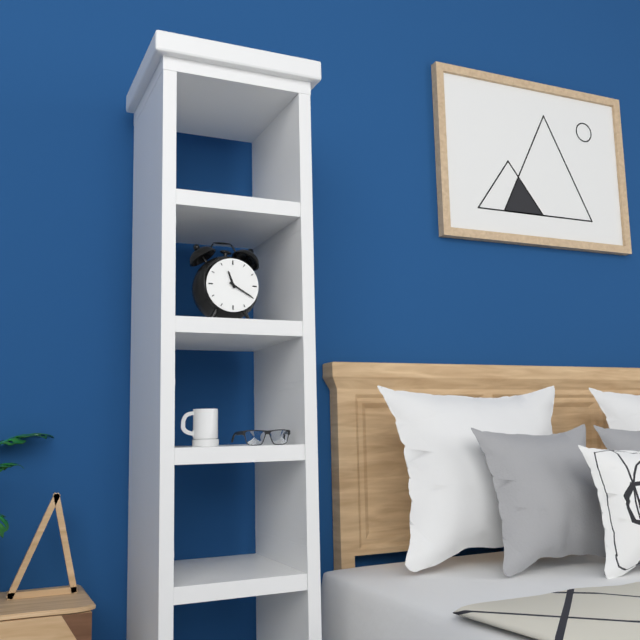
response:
h=11 m=20
